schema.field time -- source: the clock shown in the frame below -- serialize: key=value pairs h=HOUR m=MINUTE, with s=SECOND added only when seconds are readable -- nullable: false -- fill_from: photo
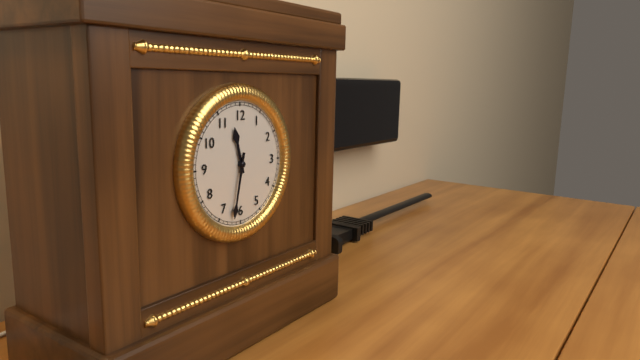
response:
h=11 m=32
